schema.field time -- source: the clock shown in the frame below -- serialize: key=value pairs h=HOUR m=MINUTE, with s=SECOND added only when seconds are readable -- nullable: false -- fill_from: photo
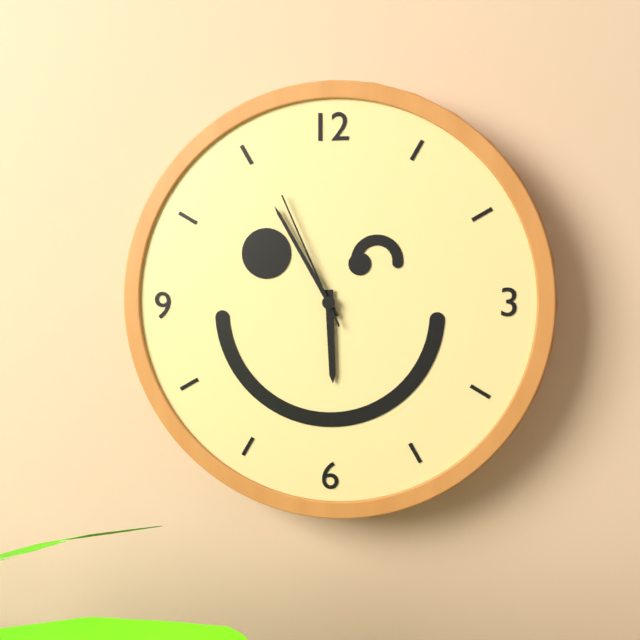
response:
h=5 m=55 s=56
